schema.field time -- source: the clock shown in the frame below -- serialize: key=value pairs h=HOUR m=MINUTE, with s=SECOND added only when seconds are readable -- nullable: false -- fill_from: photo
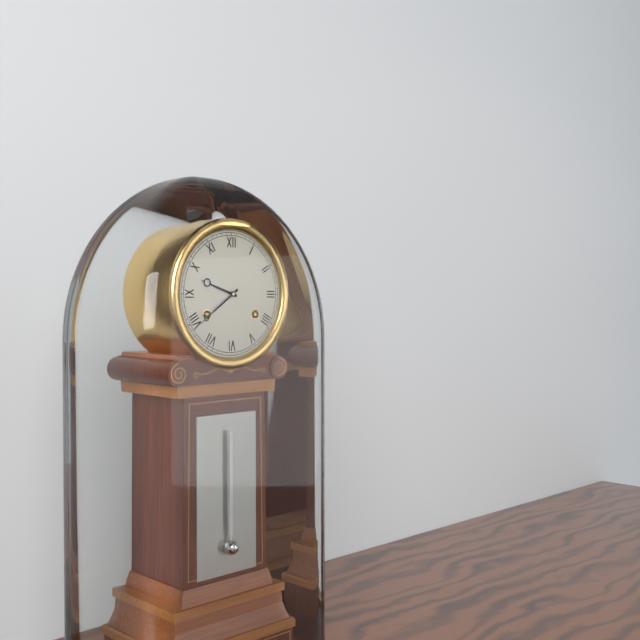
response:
h=9 m=39
